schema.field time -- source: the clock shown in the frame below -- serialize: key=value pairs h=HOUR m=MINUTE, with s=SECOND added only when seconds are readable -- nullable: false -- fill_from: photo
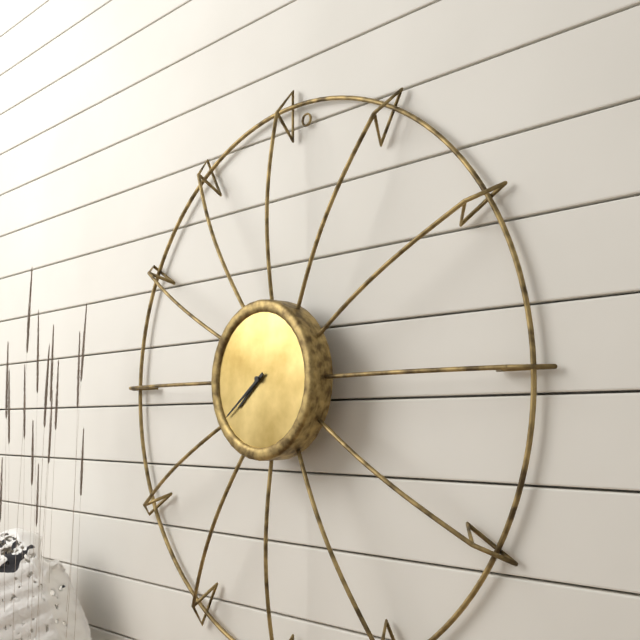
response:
h=7 m=39
